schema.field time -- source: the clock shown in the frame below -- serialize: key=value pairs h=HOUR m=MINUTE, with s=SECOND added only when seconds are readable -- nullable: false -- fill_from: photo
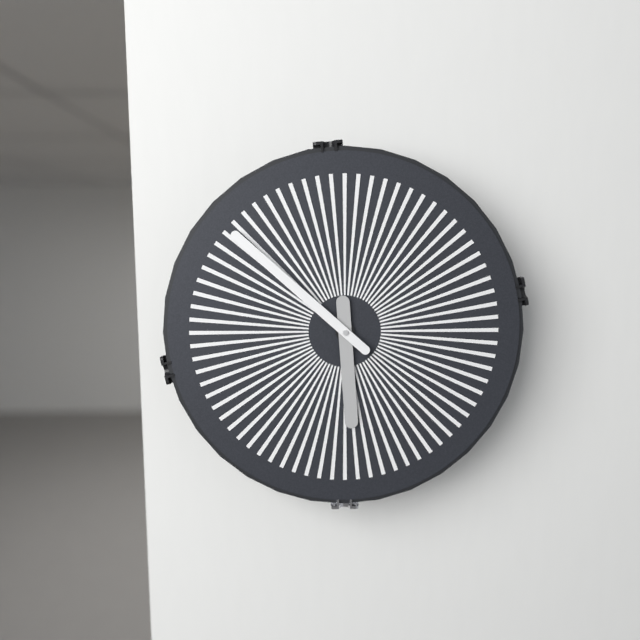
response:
h=5 m=52
